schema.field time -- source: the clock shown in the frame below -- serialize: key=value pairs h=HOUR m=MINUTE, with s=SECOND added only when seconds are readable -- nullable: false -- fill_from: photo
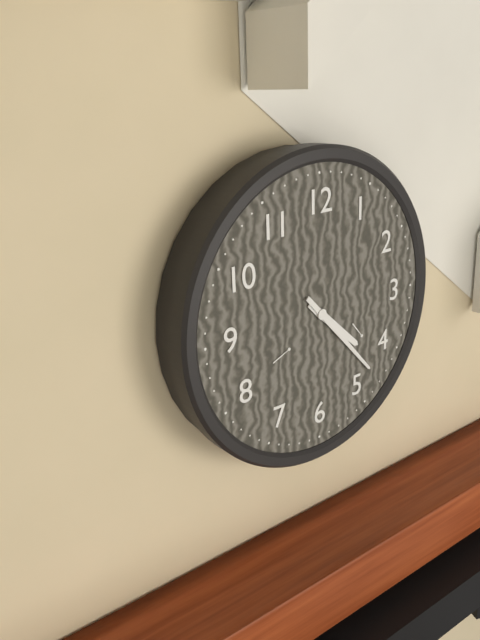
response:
h=4 m=23
